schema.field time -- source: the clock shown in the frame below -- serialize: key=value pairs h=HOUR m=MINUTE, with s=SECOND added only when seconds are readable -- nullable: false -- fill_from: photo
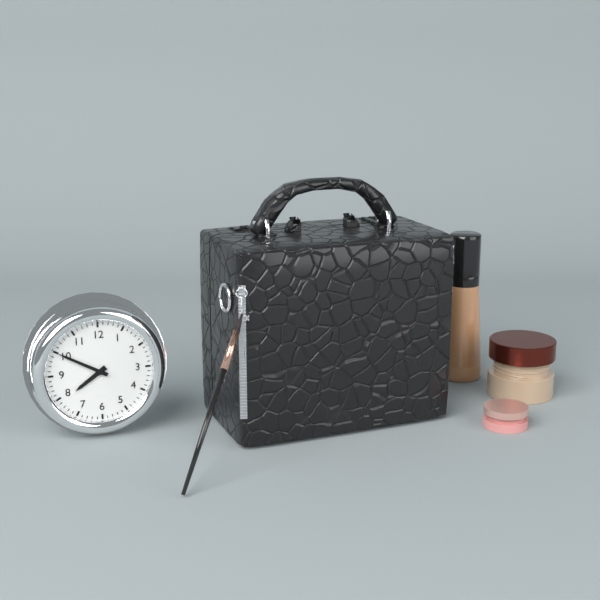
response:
h=7 m=50
